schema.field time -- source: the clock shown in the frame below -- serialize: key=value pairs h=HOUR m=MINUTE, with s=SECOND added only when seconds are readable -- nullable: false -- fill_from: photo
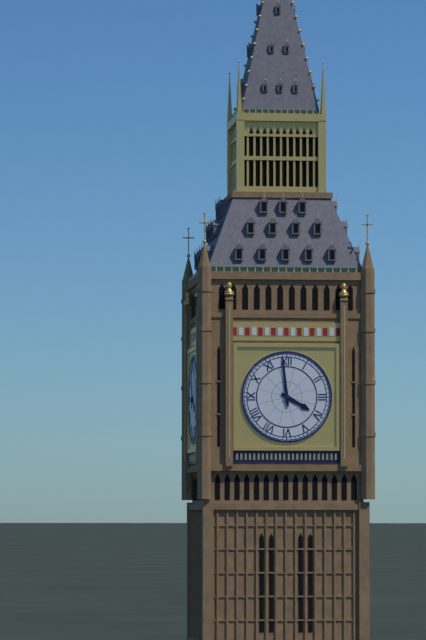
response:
h=3 m=59
